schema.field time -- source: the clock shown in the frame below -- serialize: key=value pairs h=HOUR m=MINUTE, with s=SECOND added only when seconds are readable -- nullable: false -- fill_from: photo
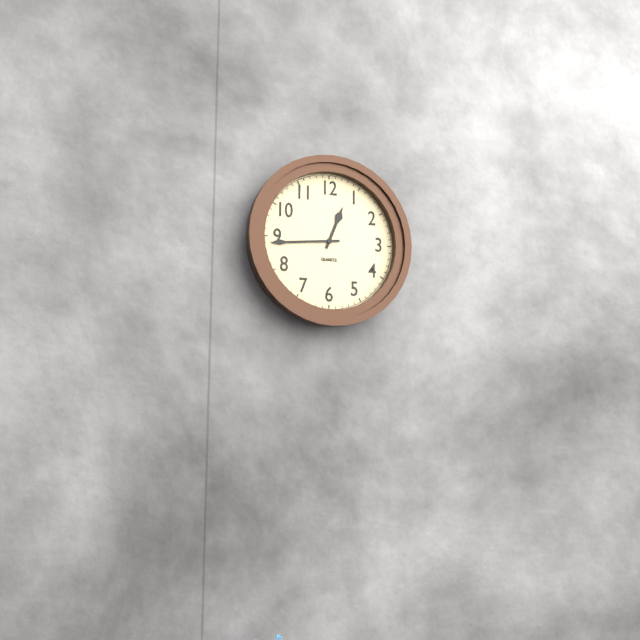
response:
h=12 m=44
